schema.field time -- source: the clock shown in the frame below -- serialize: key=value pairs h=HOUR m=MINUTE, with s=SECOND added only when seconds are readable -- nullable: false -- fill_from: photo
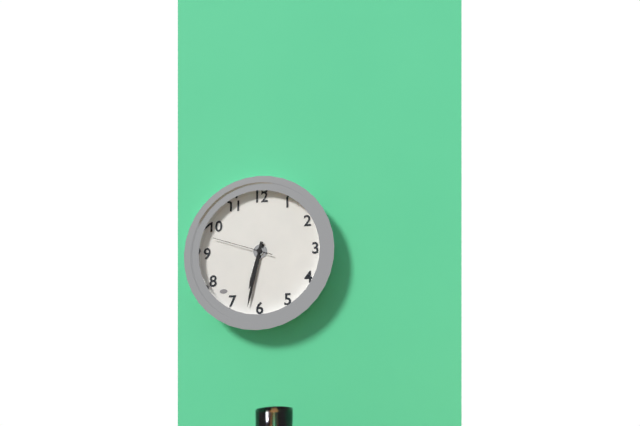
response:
h=6 m=32 s=48
